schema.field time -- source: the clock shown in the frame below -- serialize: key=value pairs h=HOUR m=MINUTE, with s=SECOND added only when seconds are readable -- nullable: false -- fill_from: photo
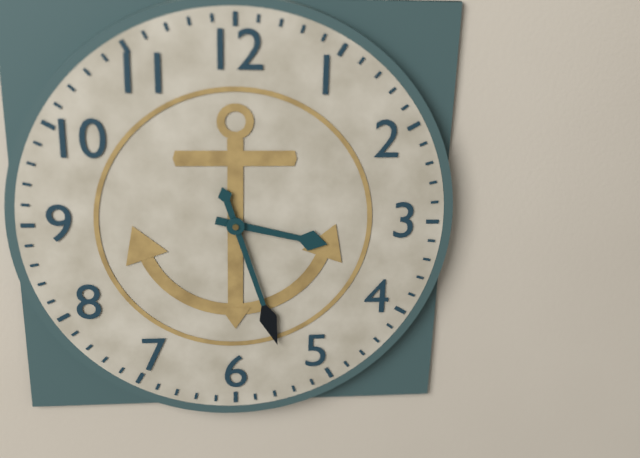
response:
h=3 m=27
